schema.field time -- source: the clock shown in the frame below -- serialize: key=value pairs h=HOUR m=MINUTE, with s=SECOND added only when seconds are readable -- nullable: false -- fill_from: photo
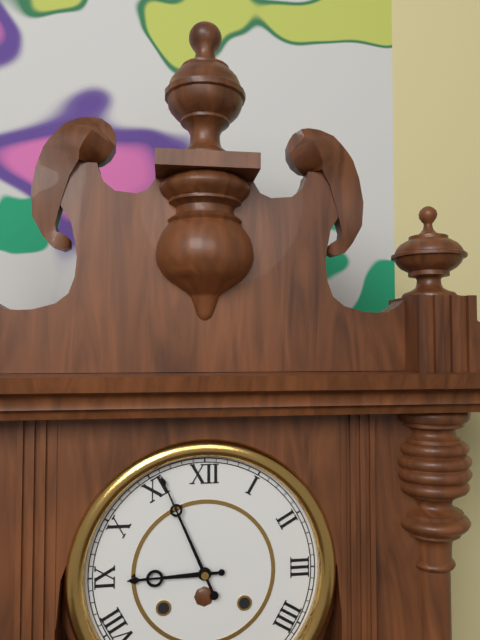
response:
h=8 m=56
